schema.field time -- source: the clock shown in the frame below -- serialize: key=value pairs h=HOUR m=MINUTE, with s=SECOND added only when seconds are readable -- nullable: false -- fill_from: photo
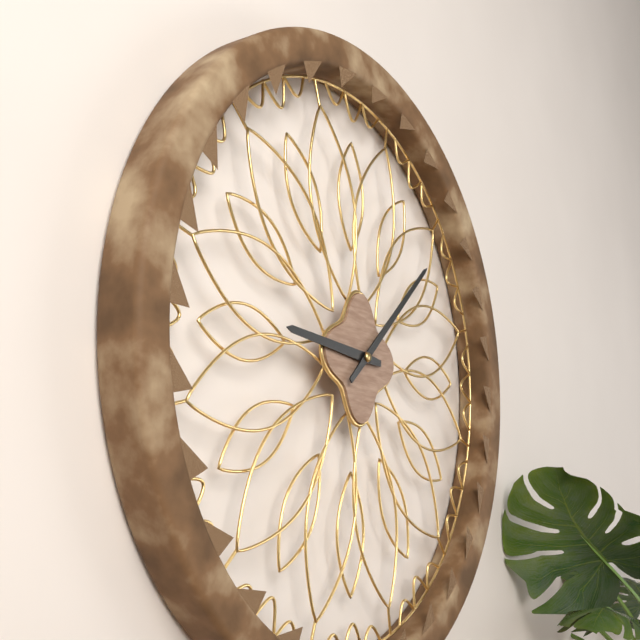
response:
h=9 m=8
